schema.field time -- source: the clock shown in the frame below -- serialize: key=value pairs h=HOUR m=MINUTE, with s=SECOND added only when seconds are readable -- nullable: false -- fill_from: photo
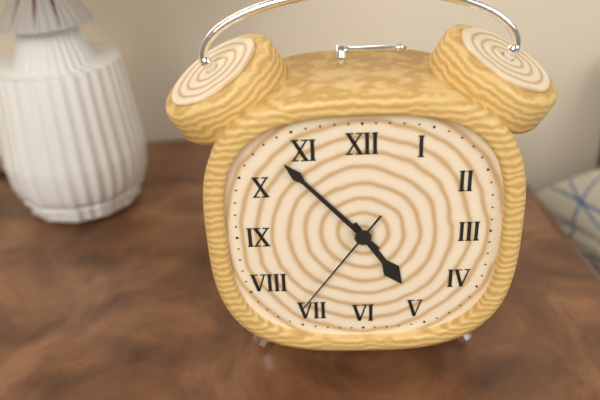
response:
h=4 m=53 s=36
